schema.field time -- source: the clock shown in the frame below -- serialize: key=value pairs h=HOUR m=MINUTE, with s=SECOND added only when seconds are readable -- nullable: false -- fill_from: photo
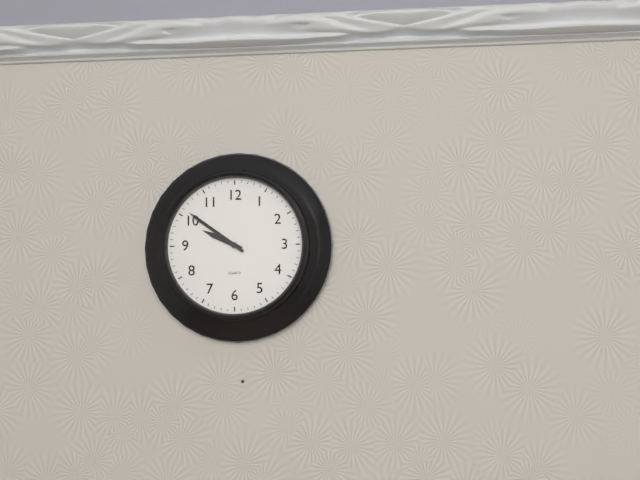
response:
h=9 m=51
